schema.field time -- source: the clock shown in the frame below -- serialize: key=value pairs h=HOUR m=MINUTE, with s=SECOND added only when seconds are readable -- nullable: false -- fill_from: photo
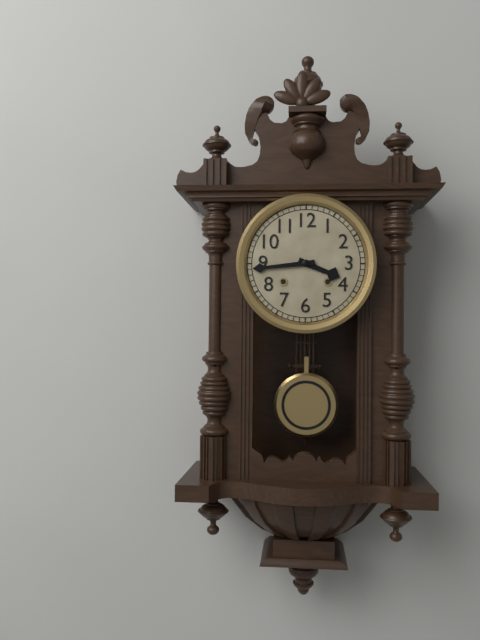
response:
h=3 m=44
